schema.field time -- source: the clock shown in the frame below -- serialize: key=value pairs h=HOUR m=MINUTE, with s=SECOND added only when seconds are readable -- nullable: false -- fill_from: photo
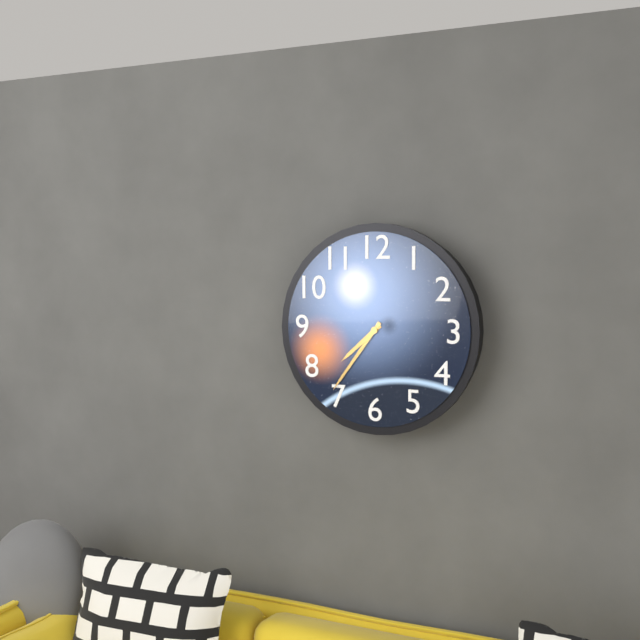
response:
h=7 m=36
